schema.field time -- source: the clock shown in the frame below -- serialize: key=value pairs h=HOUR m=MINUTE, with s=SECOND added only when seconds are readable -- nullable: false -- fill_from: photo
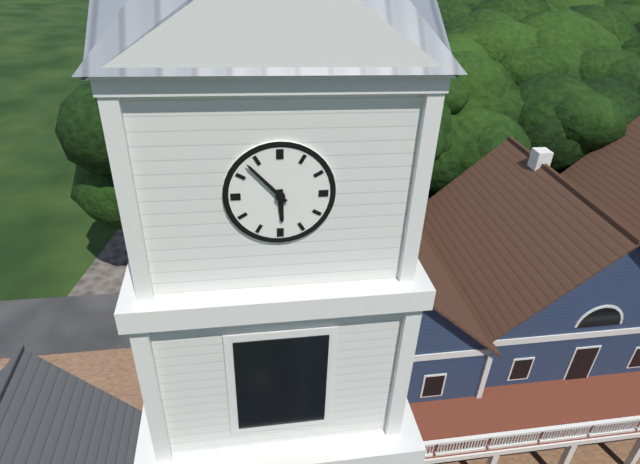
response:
h=5 m=53
